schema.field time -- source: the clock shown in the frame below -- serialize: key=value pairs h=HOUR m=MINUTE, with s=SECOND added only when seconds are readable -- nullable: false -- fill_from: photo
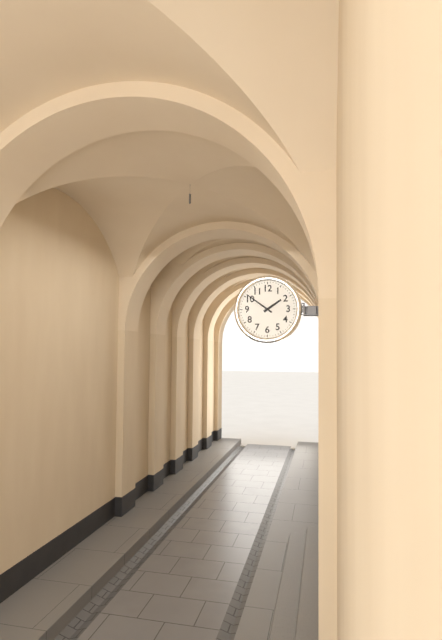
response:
h=1 m=51
